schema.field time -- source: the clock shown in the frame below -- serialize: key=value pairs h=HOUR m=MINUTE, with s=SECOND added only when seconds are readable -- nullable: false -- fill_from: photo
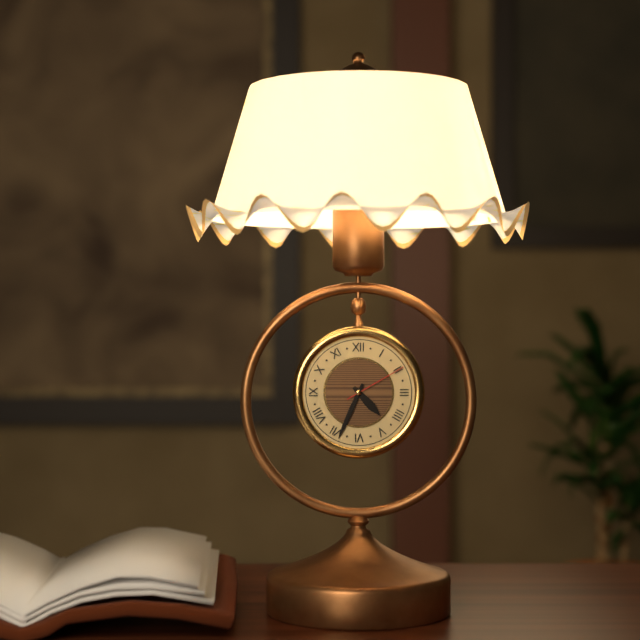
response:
h=4 m=34 s=10
